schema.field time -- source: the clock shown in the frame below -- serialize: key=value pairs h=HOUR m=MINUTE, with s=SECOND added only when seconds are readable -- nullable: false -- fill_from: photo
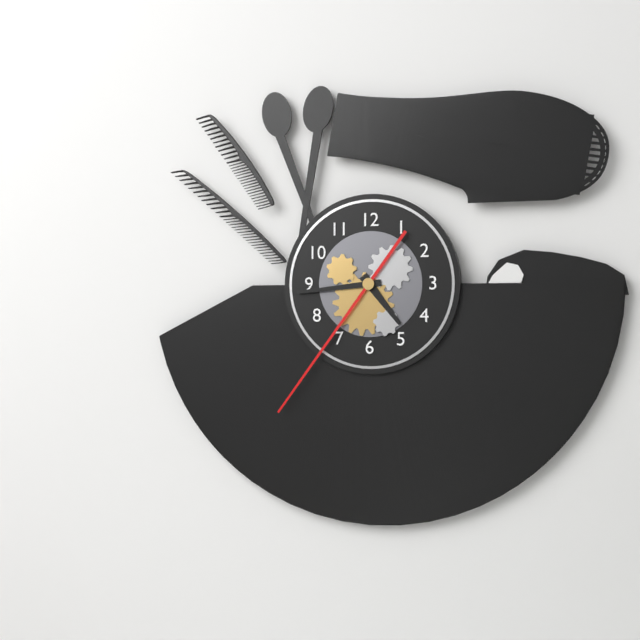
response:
h=4 m=44 s=36
